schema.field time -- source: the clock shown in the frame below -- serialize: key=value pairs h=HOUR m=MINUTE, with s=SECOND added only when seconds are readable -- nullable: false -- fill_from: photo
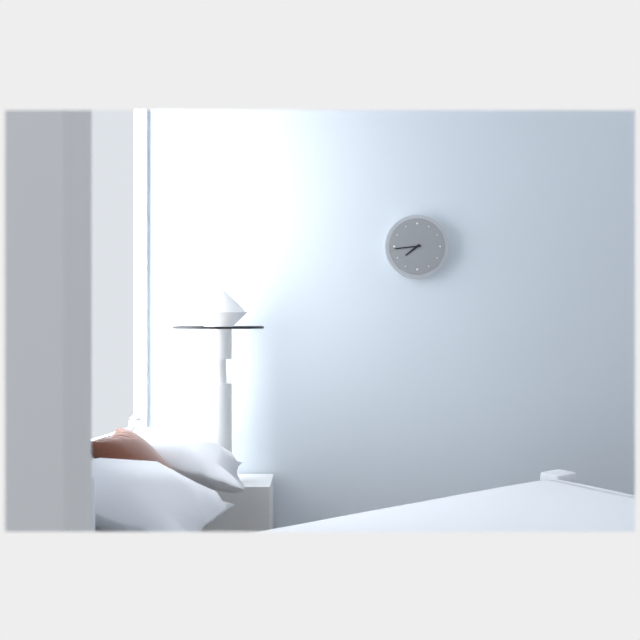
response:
h=7 m=44
